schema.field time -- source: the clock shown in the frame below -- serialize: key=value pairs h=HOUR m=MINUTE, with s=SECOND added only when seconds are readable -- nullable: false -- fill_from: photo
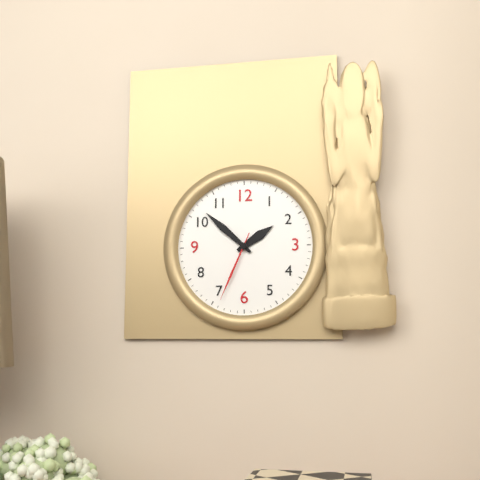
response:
h=1 m=52 s=34
